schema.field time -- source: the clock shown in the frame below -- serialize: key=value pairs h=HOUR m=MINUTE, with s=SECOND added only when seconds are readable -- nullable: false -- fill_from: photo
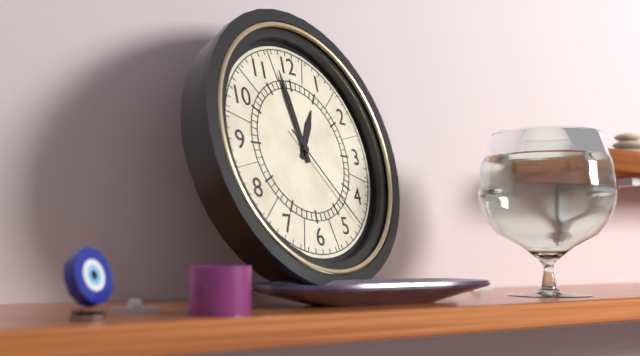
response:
h=12 m=58 s=23
